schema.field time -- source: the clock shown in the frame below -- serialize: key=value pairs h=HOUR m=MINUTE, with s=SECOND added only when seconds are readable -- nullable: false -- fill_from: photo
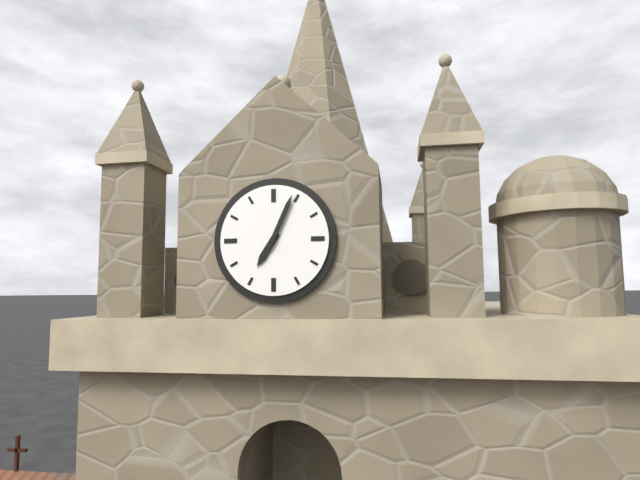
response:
h=7 m=4
